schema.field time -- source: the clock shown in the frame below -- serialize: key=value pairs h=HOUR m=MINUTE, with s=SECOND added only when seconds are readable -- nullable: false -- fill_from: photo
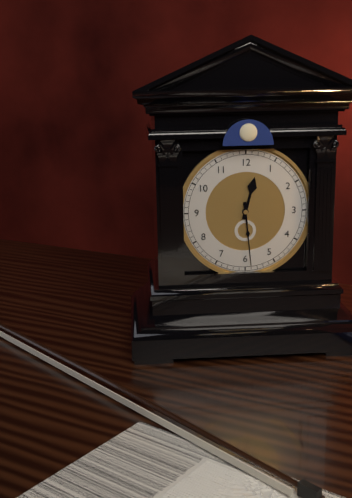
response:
h=12 m=29
